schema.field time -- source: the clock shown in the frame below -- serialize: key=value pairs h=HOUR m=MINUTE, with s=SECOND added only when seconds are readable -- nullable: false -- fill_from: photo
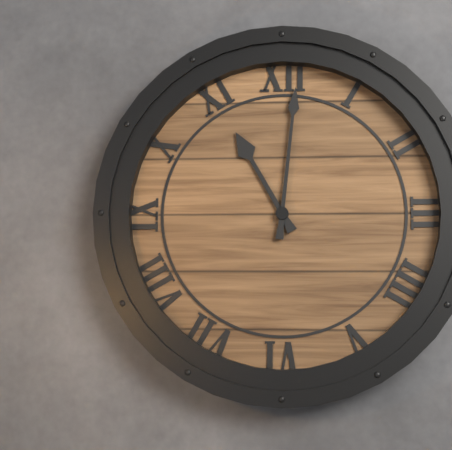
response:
h=11 m=1
